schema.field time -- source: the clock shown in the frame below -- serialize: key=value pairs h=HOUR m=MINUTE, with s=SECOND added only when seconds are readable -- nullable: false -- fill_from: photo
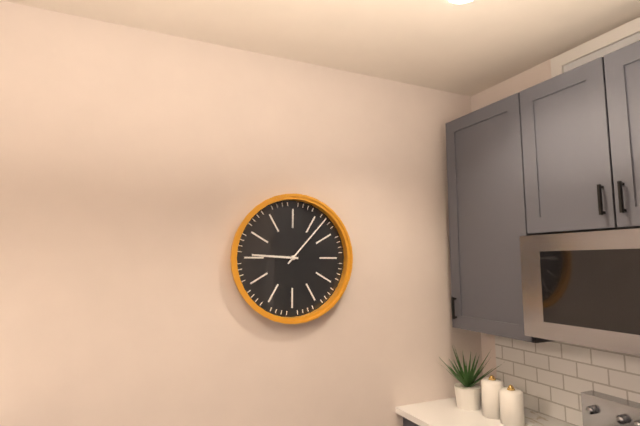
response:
h=9 m=7
